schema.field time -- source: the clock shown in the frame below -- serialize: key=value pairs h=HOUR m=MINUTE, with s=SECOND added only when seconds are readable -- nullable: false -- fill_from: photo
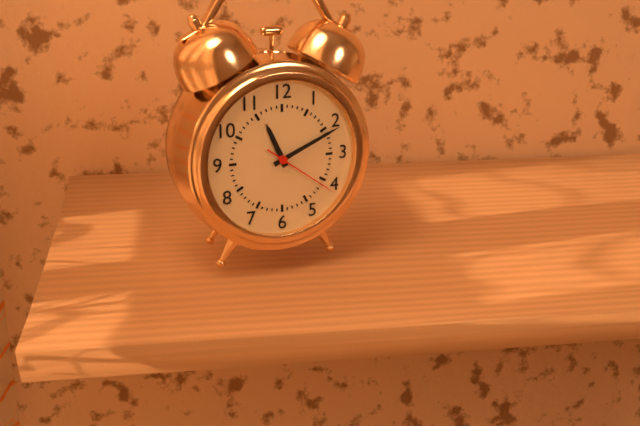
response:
h=11 m=11 s=21
